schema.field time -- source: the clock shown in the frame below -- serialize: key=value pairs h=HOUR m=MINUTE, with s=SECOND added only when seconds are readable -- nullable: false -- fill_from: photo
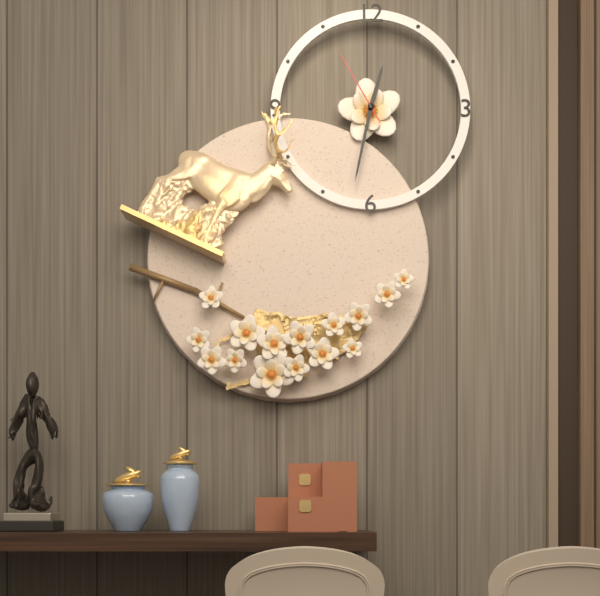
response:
h=12 m=32 s=55
